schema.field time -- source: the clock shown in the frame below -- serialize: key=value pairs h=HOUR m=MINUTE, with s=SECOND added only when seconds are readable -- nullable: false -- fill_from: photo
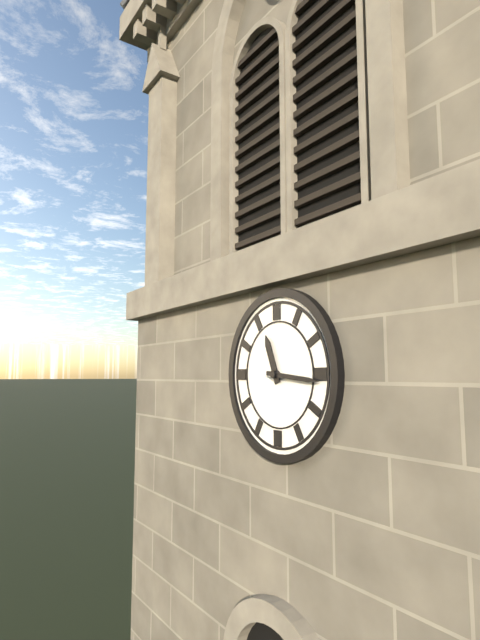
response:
h=11 m=16
